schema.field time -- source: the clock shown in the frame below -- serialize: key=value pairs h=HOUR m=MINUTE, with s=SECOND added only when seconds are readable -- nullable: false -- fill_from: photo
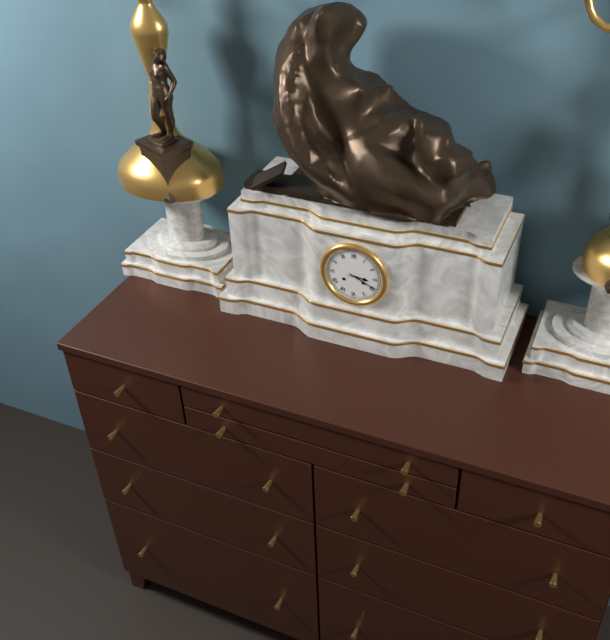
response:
h=3 m=19
